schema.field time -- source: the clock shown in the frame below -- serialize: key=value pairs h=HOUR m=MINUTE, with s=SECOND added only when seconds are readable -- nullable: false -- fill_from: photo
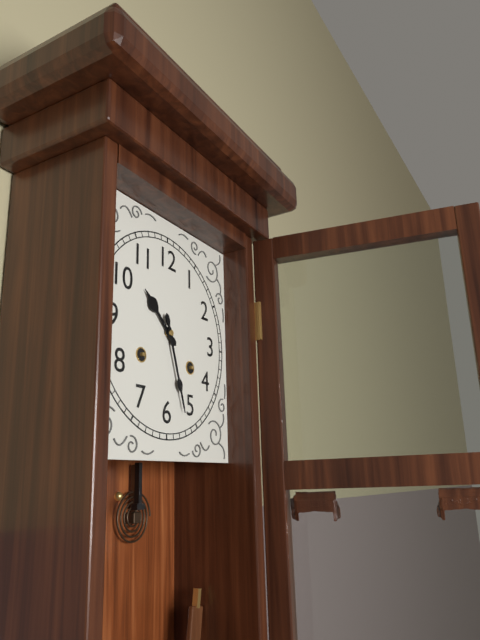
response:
h=10 m=27
